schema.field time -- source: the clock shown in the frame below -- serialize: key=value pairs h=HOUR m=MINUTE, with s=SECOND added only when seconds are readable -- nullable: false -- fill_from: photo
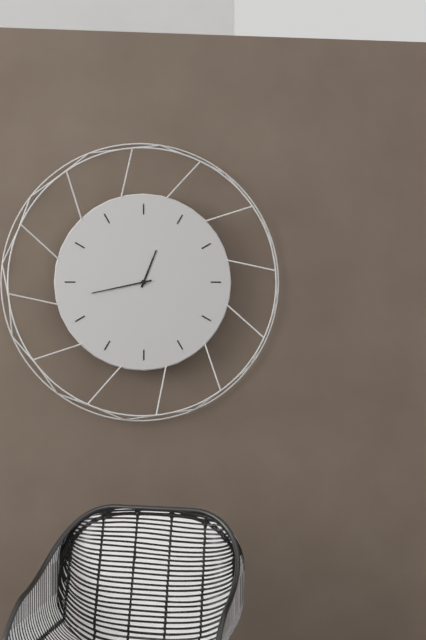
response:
h=12 m=43
